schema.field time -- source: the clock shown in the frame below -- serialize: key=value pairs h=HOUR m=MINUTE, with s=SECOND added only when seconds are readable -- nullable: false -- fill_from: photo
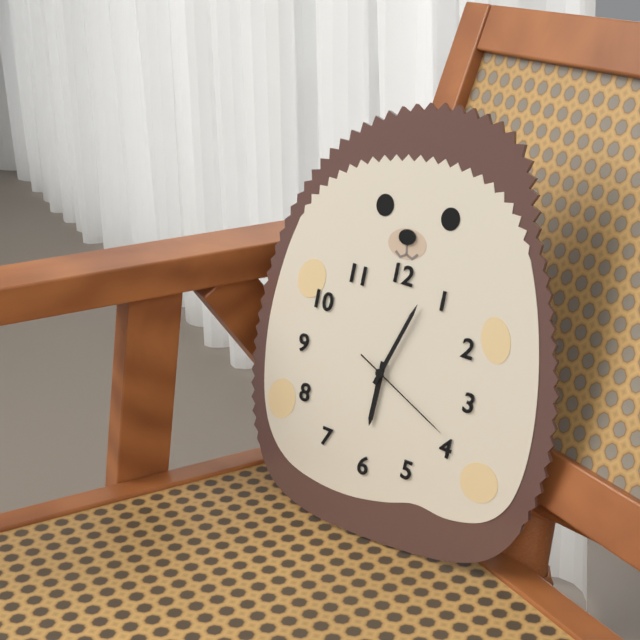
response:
h=6 m=3 s=19
